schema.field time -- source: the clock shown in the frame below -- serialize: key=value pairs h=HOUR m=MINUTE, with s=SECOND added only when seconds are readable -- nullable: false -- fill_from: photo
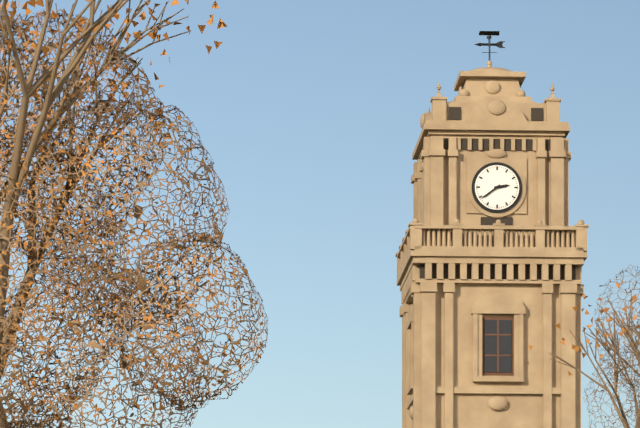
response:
h=2 m=39
